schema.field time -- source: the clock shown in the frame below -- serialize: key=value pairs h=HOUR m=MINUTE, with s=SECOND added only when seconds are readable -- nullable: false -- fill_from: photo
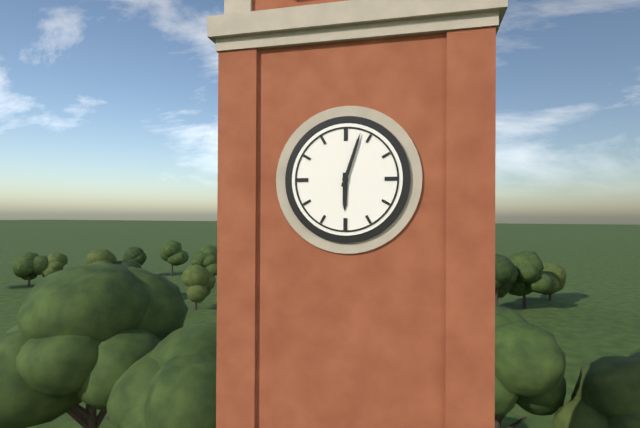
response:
h=6 m=3
